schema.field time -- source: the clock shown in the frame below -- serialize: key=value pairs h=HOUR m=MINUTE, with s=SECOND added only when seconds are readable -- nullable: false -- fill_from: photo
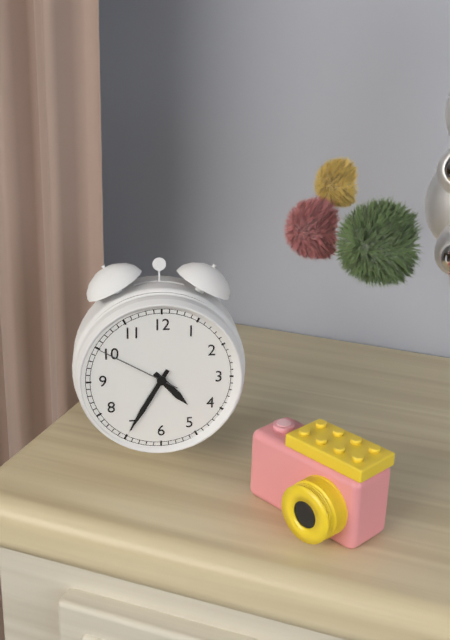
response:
h=4 m=35 s=50
